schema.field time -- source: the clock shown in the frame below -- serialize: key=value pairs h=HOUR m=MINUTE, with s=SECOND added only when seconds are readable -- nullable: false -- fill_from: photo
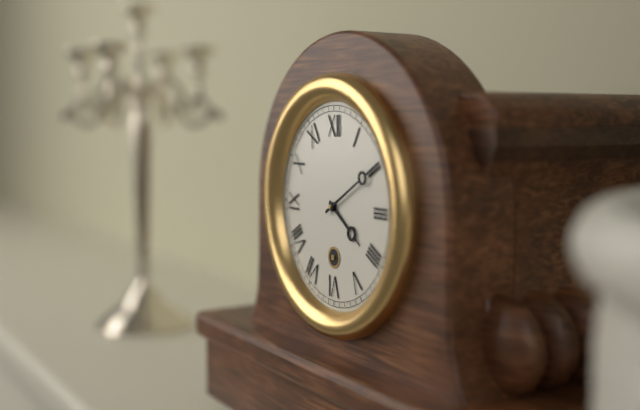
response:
h=4 m=10
